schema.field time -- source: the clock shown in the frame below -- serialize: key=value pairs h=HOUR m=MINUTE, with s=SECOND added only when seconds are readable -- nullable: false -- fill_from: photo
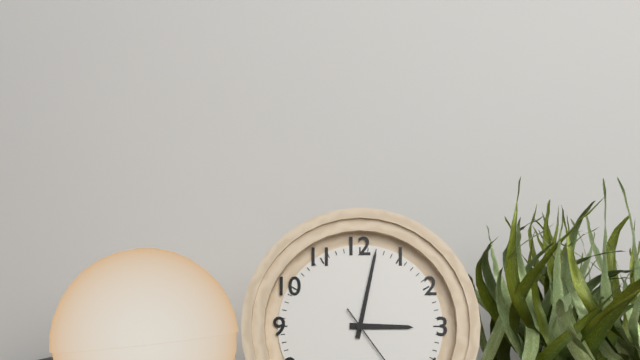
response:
h=3 m=2
